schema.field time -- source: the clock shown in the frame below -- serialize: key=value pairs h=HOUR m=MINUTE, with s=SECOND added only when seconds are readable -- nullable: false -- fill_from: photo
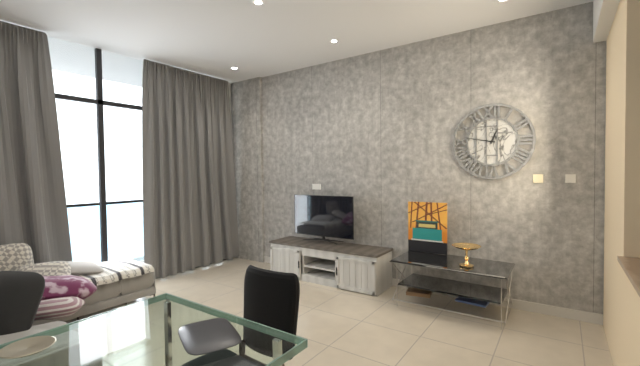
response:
h=12 m=47
